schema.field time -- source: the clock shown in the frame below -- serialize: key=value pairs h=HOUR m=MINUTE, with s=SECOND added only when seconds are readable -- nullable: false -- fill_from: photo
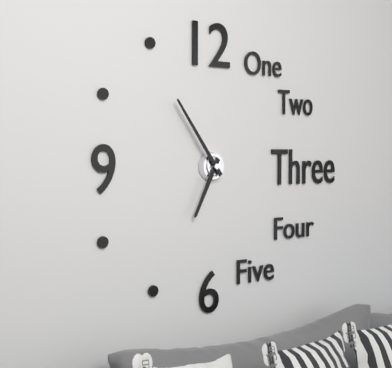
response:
h=6 m=54
